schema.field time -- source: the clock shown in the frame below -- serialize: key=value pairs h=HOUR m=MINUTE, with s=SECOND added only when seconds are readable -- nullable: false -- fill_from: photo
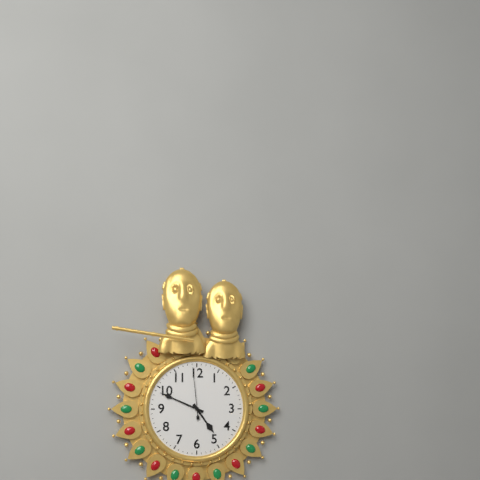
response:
h=4 m=49 s=59
